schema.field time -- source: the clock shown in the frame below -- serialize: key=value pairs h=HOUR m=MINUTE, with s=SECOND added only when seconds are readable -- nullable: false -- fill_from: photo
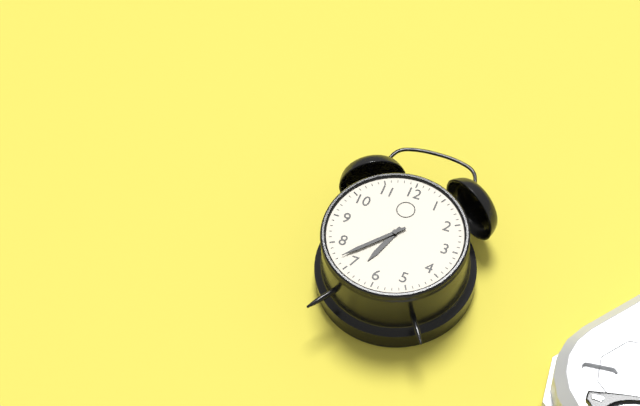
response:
h=6 m=37
